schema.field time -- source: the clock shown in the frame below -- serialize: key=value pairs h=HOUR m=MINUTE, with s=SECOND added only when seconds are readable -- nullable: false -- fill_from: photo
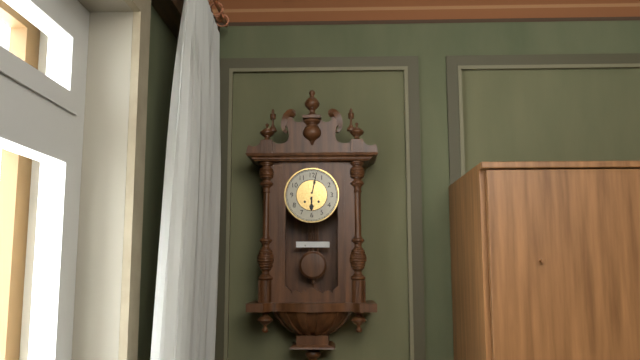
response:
h=6 m=2
